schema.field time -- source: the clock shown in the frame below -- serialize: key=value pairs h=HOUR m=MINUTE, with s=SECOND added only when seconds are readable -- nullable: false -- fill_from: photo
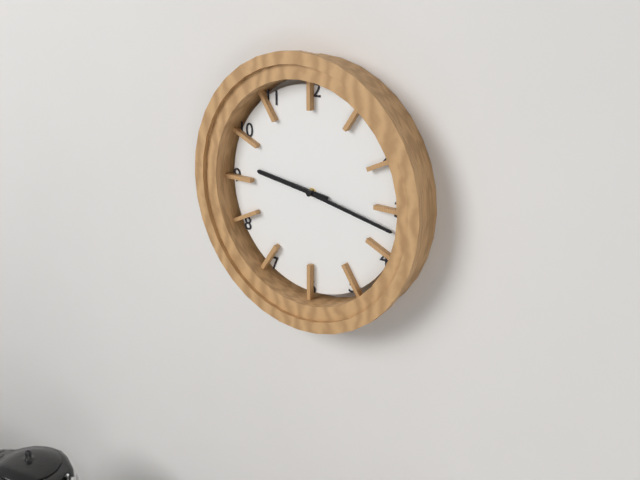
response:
h=9 m=17
